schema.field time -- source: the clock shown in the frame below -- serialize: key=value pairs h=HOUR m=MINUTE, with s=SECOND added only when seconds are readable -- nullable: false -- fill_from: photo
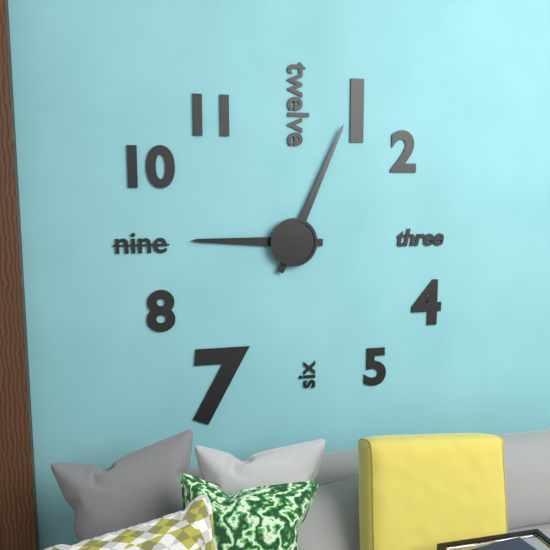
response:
h=9 m=4
